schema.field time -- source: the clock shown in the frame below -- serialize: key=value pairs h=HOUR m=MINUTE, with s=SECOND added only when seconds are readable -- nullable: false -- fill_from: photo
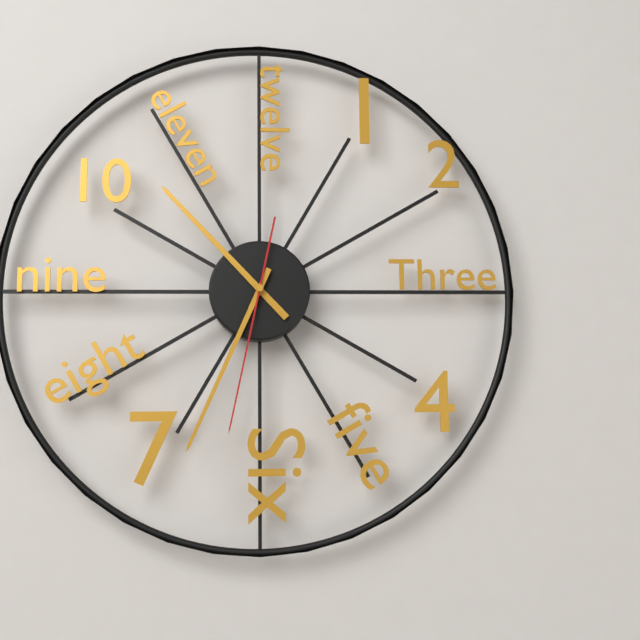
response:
h=10 m=34 s=32
